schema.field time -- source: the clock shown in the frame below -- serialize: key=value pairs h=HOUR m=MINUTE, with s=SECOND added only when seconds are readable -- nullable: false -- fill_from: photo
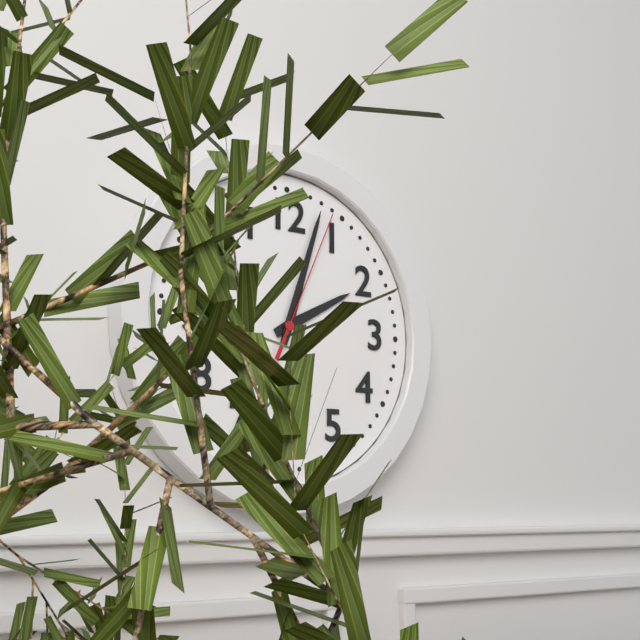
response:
h=2 m=3 s=4
